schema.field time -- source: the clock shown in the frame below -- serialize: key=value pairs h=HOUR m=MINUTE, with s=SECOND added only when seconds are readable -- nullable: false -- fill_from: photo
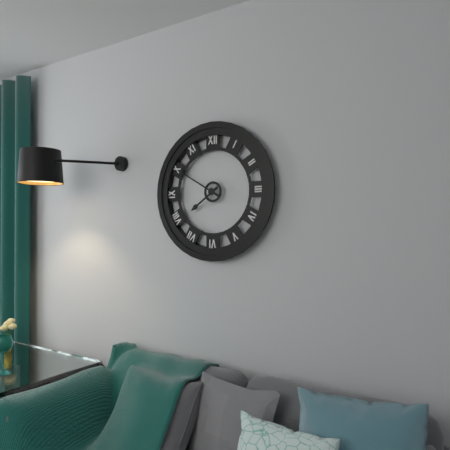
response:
h=7 m=50
